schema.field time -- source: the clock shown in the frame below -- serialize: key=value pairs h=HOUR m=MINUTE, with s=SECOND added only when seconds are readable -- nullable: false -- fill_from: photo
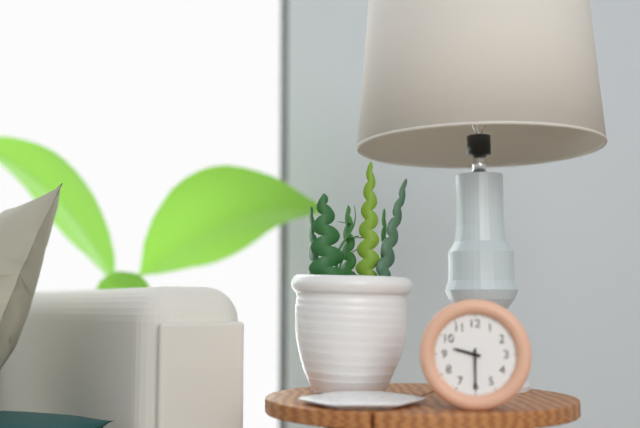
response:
h=9 m=30
